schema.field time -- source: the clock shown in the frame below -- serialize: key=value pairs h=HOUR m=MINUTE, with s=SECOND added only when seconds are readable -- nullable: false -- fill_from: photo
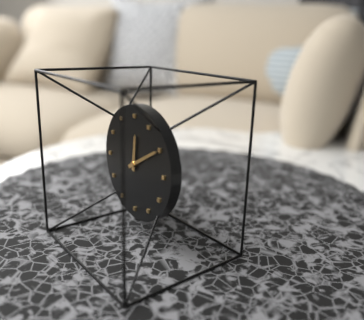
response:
h=12 m=10
